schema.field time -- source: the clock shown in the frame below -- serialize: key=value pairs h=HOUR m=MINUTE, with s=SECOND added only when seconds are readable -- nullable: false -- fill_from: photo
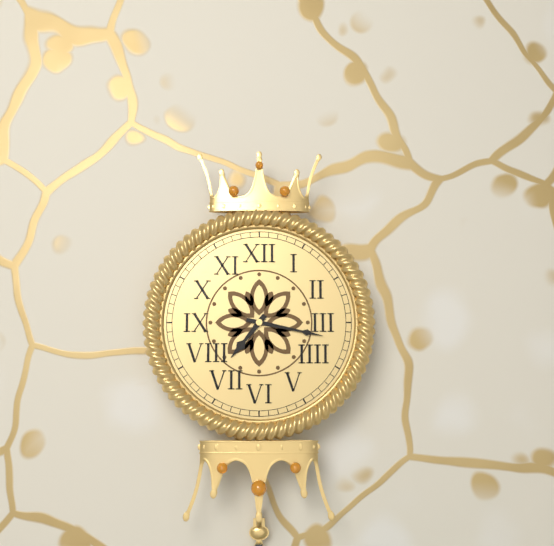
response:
h=7 m=17
